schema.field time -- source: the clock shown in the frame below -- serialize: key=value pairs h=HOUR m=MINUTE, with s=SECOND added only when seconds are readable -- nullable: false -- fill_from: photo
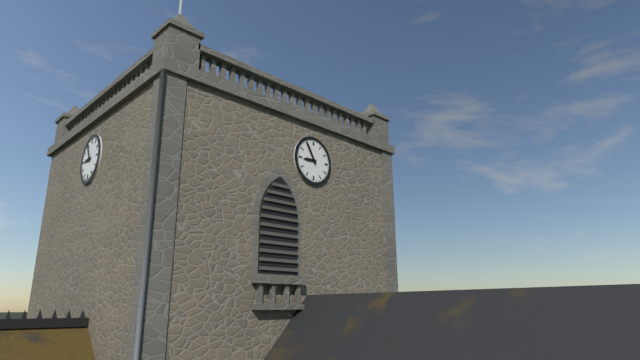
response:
h=8 m=55
